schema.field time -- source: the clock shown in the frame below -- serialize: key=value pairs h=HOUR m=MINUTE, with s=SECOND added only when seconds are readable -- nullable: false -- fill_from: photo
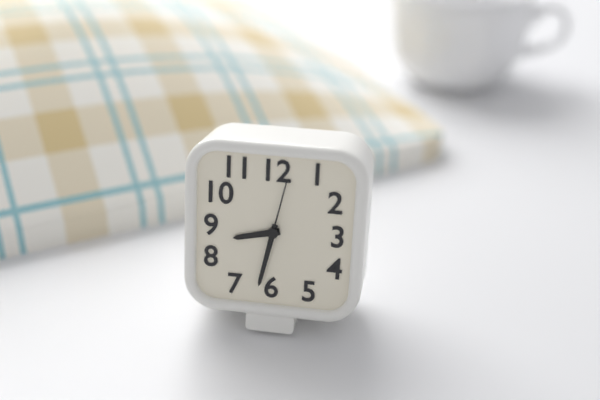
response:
h=8 m=32 s=2
